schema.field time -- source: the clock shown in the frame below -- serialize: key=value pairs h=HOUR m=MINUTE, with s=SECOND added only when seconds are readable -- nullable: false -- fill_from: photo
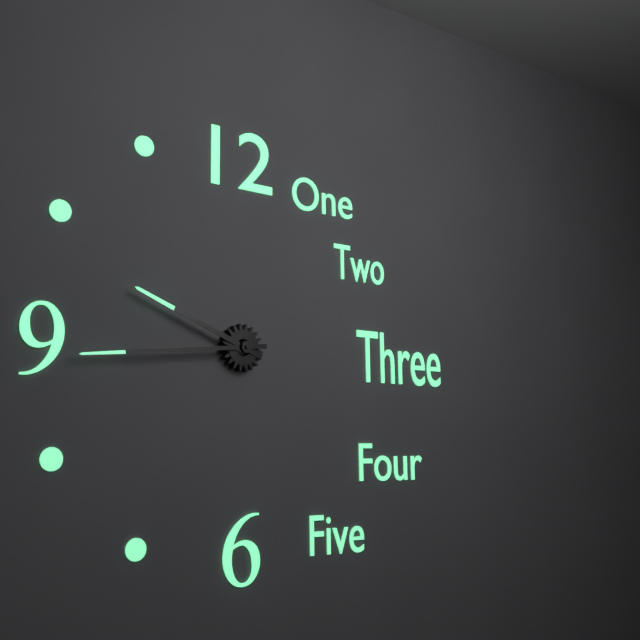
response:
h=9 m=44
